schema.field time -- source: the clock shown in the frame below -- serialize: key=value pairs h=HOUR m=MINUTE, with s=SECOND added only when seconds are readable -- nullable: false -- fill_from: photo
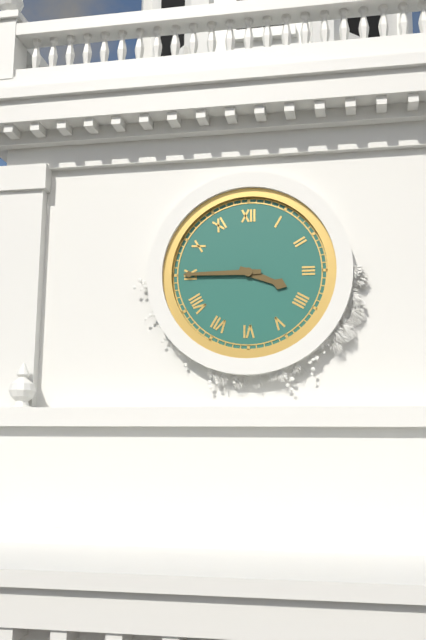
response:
h=3 m=45
